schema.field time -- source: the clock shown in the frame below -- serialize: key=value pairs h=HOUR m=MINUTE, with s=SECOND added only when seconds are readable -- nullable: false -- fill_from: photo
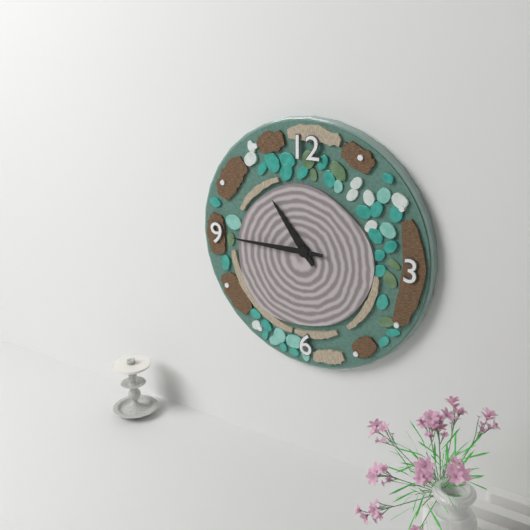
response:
h=10 m=45
